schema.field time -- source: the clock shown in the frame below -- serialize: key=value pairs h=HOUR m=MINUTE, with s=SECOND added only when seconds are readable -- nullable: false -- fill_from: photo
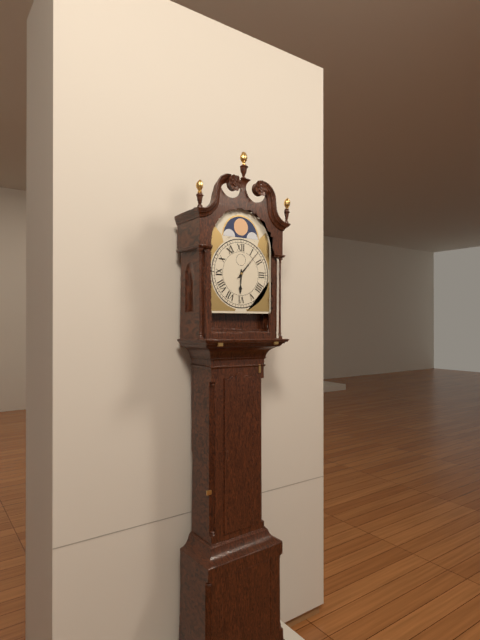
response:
h=6 m=7
